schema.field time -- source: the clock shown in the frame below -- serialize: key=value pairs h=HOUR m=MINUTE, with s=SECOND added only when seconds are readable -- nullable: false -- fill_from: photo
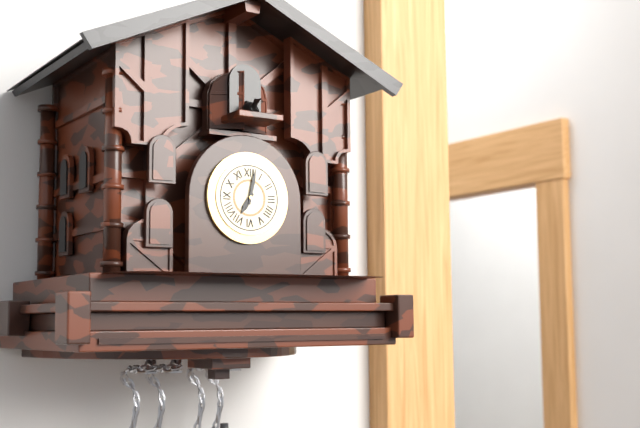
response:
h=7 m=2
